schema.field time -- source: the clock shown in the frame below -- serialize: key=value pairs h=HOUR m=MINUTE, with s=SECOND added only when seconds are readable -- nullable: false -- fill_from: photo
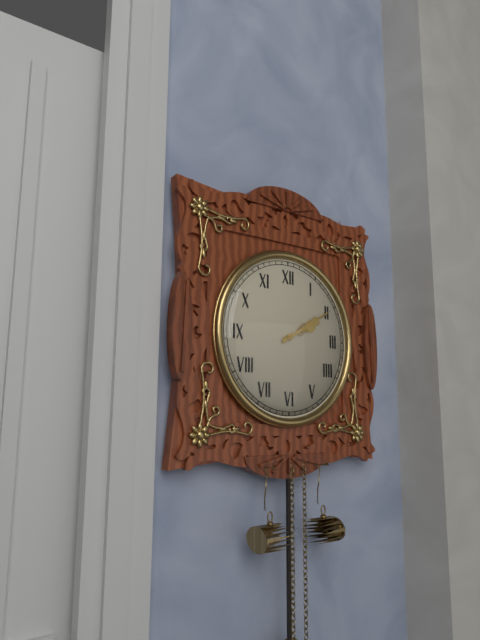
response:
h=2 m=10
